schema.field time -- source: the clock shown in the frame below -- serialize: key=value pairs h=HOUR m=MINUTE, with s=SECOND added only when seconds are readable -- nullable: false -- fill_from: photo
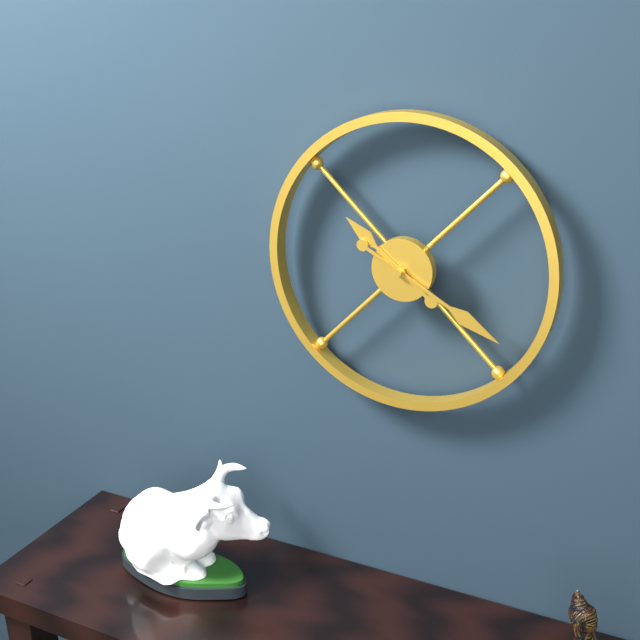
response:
h=10 m=20
